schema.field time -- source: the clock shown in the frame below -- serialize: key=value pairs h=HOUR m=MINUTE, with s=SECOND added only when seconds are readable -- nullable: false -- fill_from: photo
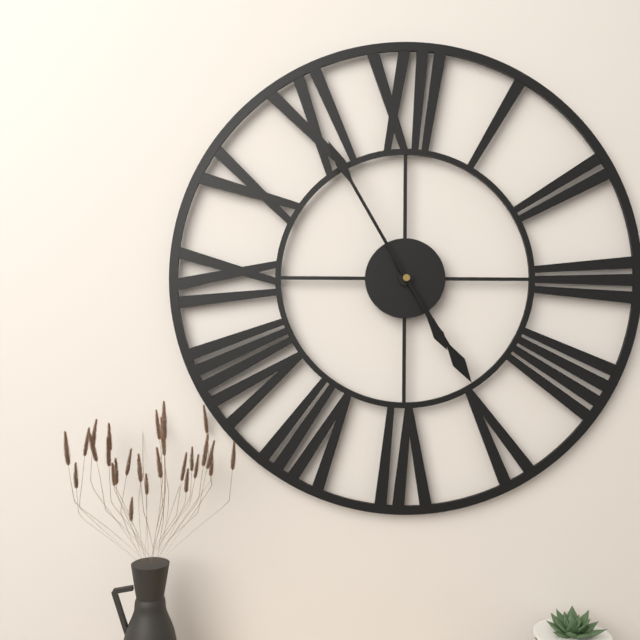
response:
h=4 m=55
